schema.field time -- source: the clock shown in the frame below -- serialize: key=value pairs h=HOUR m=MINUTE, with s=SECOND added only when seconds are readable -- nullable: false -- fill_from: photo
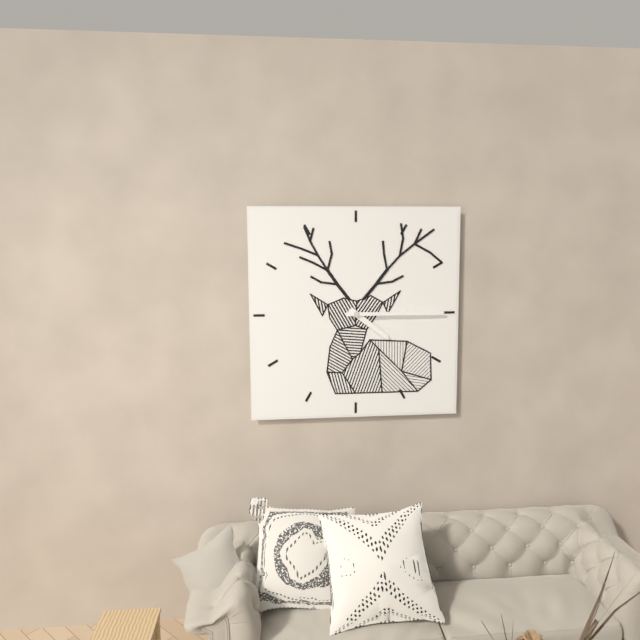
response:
h=4 m=15
